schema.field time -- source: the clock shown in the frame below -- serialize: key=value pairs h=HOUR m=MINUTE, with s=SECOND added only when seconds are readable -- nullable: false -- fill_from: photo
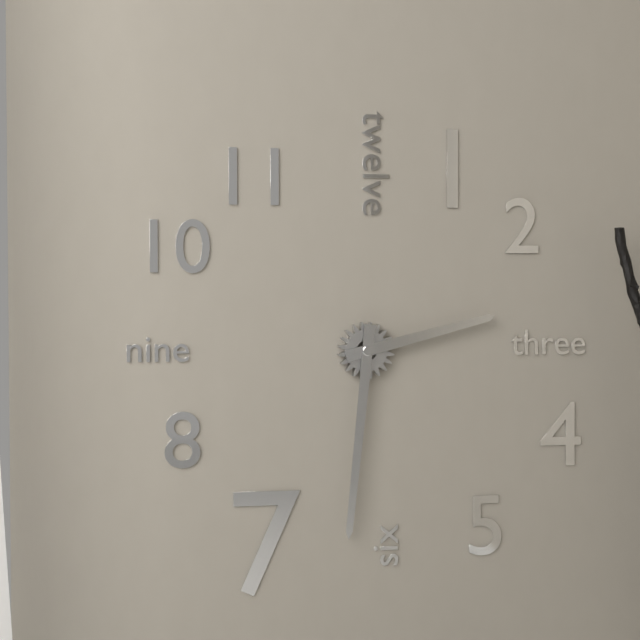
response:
h=2 m=31
